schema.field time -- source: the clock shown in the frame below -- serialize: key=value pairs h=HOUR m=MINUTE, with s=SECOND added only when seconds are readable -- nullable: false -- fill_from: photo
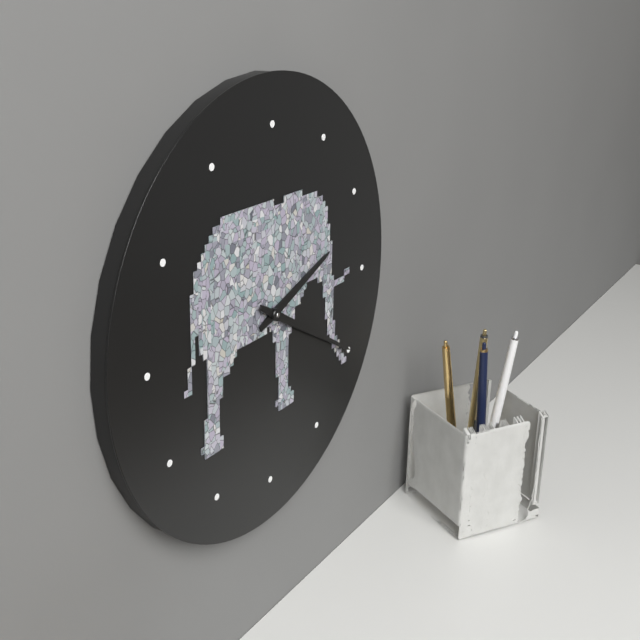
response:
h=2 m=20
